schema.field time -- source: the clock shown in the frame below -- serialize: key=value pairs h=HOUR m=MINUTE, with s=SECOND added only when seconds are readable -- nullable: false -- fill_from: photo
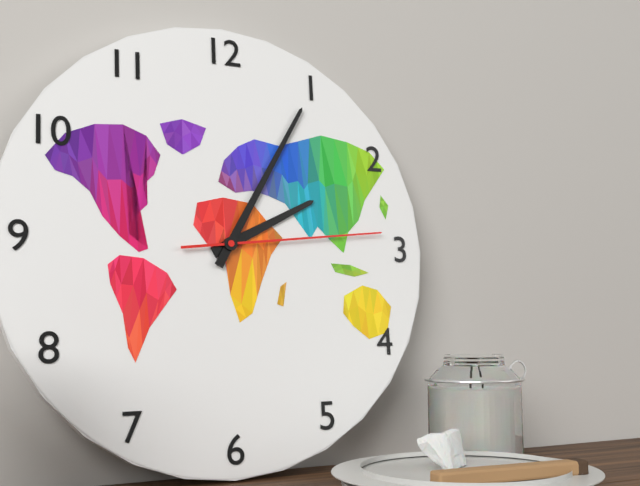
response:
h=2 m=5 s=14
